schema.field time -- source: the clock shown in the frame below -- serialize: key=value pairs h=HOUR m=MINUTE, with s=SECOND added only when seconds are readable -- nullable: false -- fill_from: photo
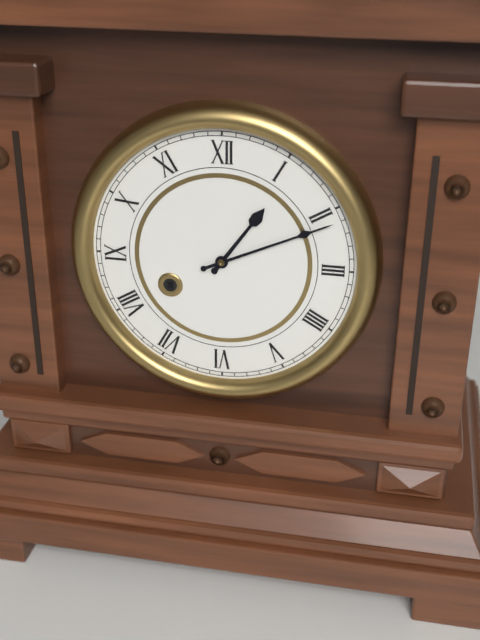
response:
h=1 m=11
